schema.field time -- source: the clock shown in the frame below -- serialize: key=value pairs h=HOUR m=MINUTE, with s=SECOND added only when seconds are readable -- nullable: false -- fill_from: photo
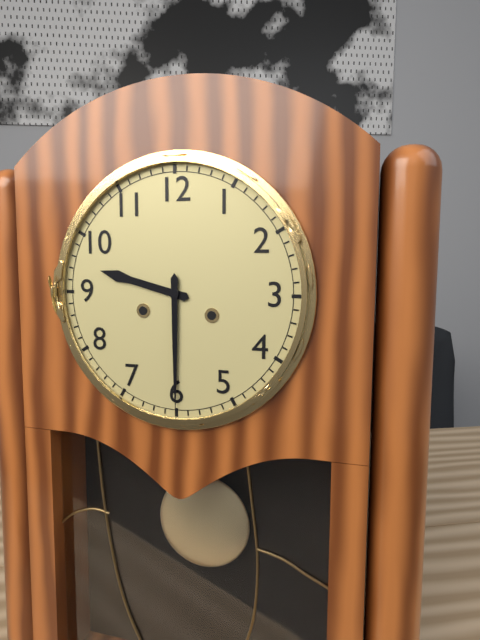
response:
h=9 m=30
